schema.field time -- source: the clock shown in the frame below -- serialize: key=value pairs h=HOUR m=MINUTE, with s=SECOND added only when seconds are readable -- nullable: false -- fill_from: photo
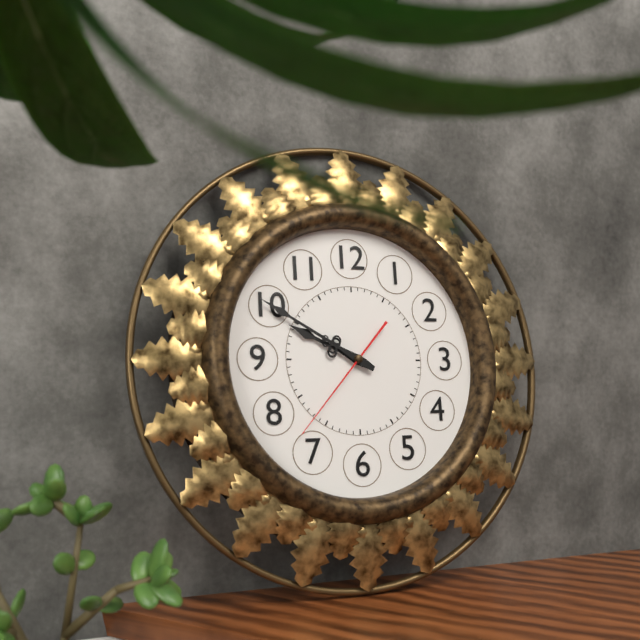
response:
h=9 m=50 s=37
